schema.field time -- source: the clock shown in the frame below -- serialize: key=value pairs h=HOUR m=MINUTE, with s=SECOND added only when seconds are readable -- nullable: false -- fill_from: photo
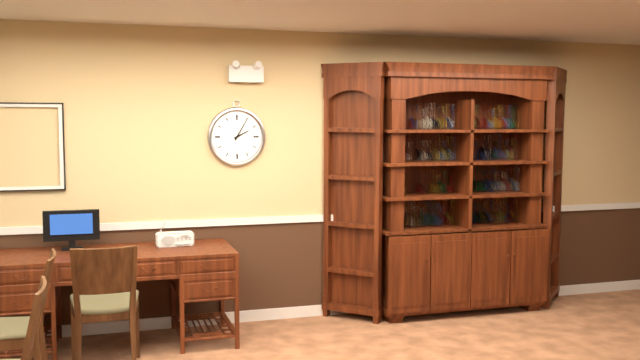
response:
h=2 m=5
